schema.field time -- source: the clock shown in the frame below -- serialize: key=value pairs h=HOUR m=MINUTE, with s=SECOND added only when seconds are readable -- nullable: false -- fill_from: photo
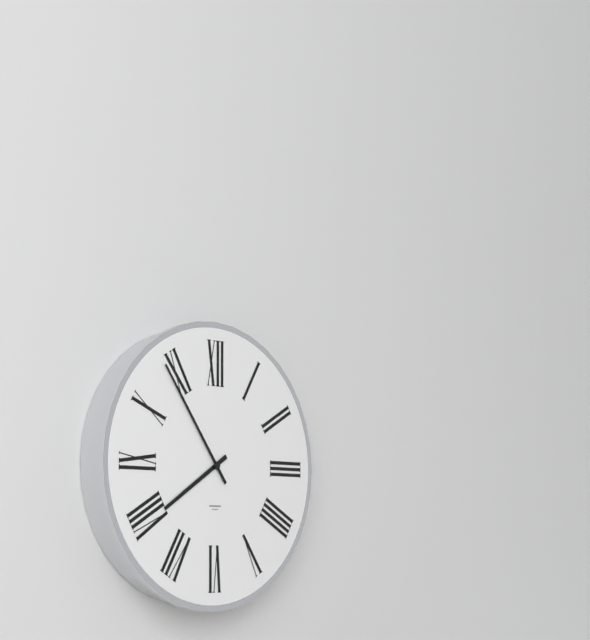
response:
h=7 m=54
